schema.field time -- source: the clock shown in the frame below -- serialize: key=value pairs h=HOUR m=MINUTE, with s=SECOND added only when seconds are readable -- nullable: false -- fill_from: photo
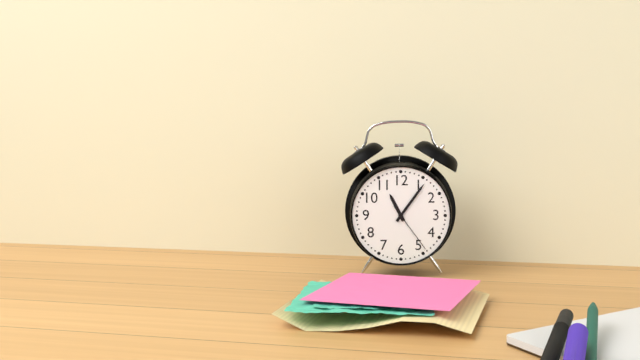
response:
h=11 m=6 s=24
